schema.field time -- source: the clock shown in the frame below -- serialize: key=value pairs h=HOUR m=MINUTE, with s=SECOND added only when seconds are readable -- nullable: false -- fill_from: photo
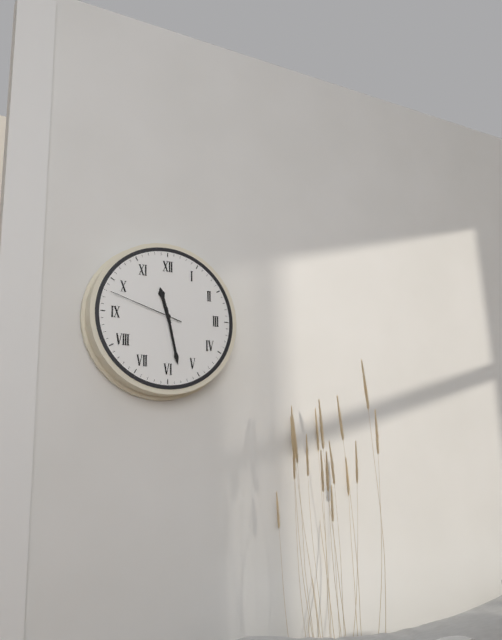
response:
h=11 m=28 s=48
